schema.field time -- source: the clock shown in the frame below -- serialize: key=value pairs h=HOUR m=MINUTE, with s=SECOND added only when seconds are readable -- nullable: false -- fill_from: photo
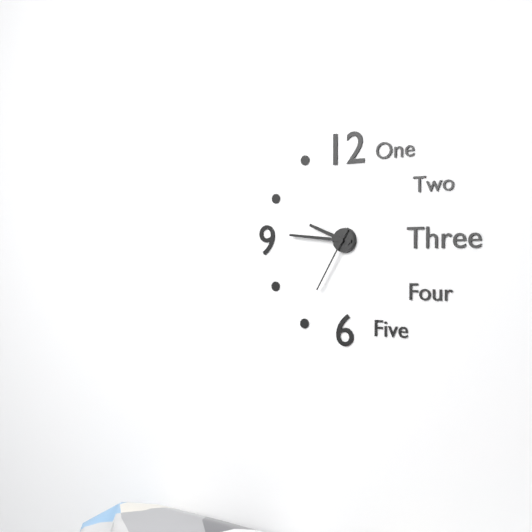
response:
h=9 m=46 s=35
